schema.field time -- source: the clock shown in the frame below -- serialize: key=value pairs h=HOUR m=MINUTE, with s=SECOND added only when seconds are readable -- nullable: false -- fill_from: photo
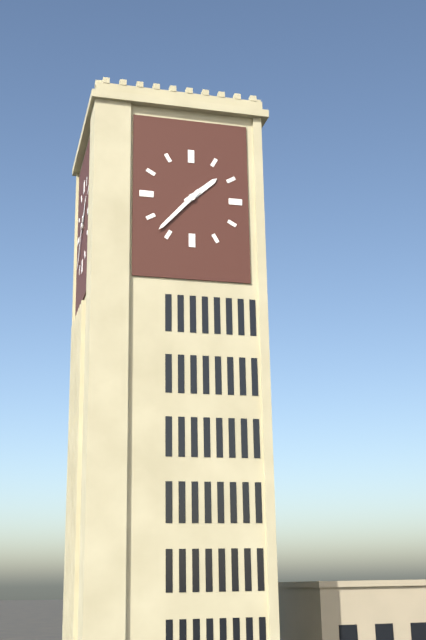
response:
h=1 m=37
